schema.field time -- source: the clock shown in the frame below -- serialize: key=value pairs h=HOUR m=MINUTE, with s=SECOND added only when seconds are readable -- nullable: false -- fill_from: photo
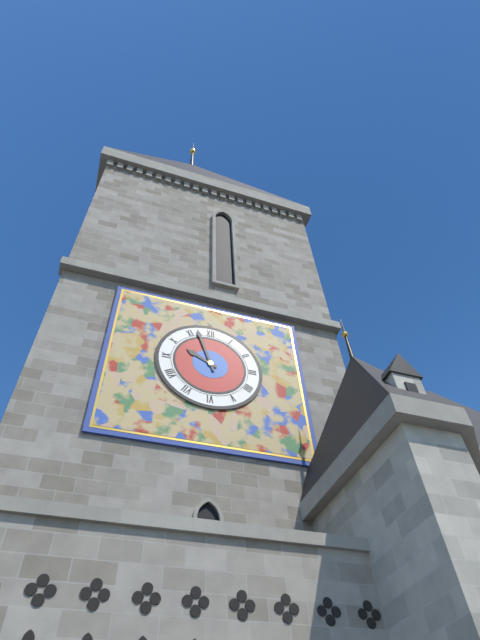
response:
h=9 m=57
